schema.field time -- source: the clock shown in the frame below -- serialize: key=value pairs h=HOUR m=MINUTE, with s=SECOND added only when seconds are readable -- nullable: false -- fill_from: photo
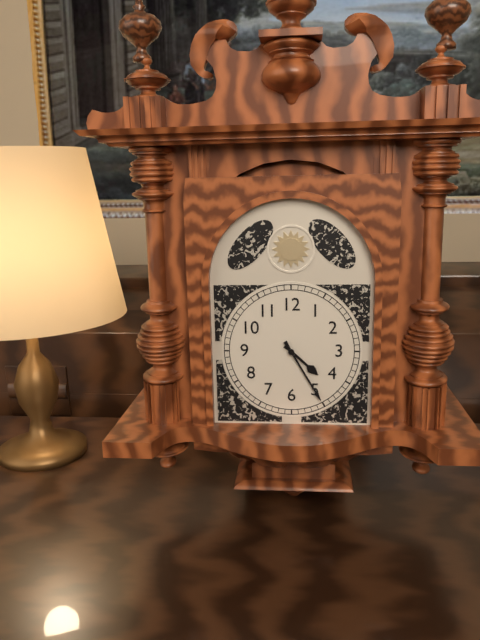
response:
h=4 m=25
